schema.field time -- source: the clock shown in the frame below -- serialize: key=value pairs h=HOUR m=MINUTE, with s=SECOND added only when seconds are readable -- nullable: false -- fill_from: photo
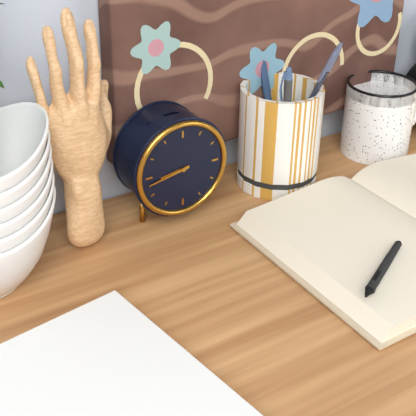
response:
h=8 m=43
